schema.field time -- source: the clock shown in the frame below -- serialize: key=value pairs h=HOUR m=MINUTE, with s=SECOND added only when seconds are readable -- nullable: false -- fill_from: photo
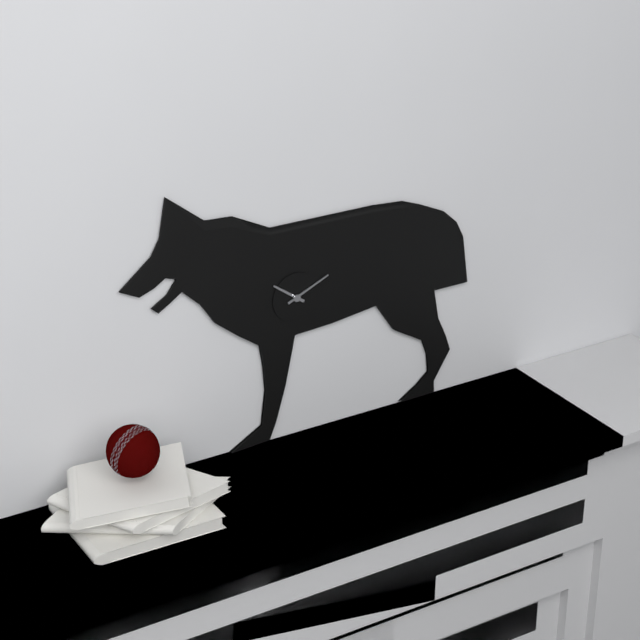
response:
h=10 m=11
